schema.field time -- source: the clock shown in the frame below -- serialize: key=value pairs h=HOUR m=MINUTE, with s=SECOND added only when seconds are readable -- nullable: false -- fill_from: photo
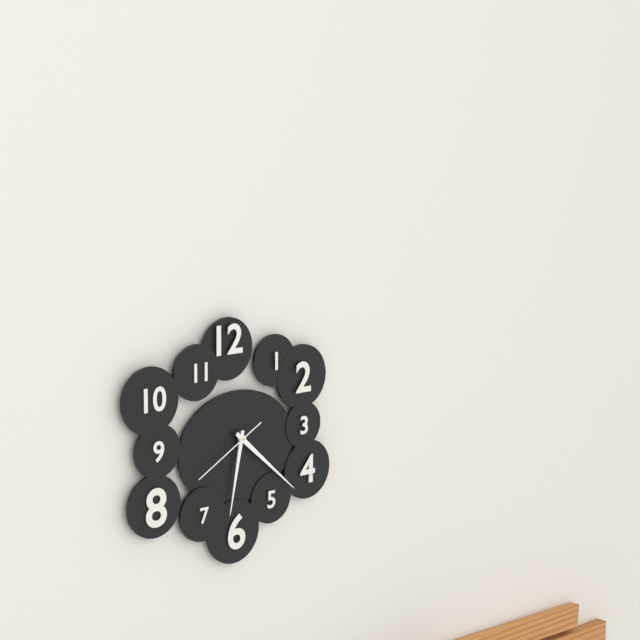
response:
h=6 m=22 s=40
